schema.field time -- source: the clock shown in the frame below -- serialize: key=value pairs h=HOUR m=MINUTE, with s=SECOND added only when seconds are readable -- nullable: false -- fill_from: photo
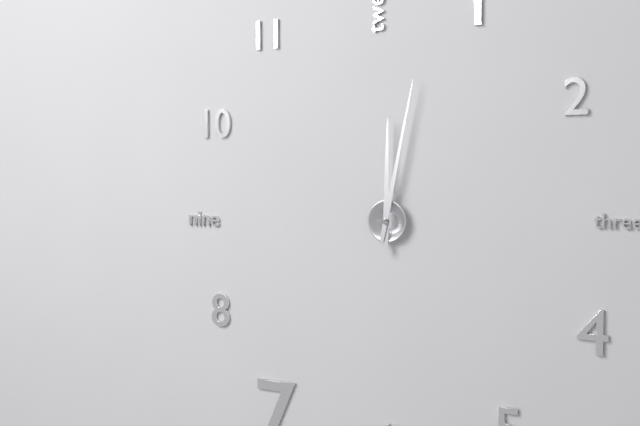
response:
h=12 m=2
